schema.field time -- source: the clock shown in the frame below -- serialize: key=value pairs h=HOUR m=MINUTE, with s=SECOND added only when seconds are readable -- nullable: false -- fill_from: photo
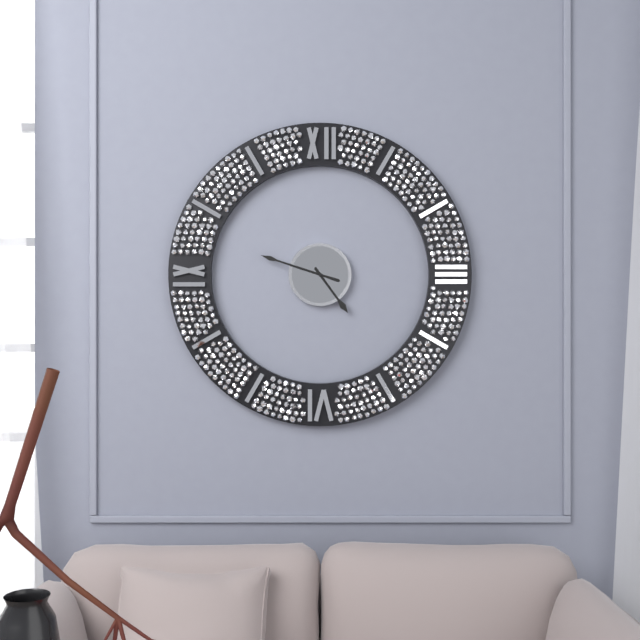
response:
h=4 m=48
